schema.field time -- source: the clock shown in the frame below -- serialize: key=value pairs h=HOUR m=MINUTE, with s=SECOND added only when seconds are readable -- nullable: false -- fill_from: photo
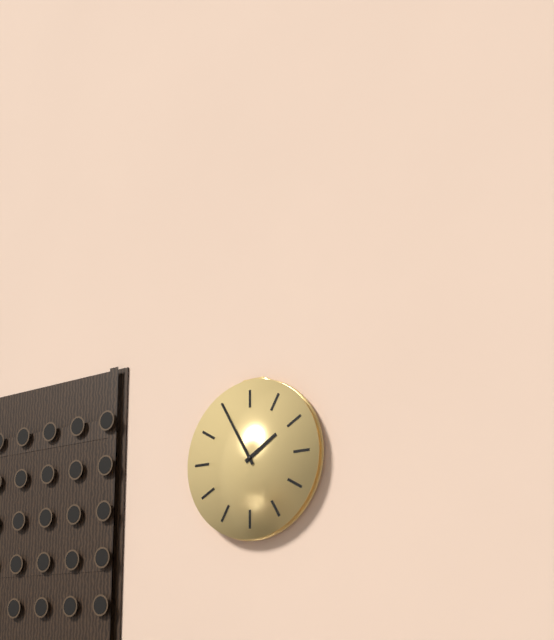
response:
h=1 m=55
